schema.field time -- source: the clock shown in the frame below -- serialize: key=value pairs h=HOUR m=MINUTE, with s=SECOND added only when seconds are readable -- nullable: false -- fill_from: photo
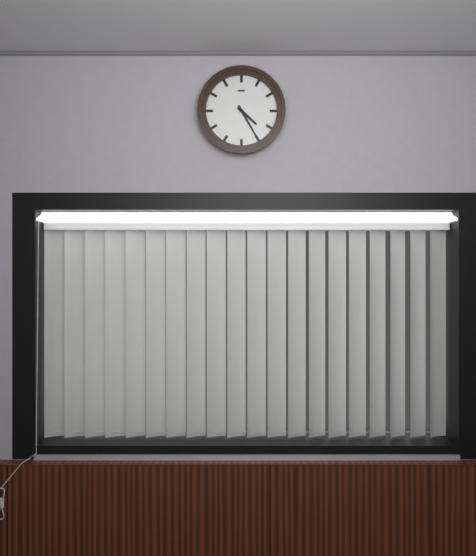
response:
h=4 m=25
